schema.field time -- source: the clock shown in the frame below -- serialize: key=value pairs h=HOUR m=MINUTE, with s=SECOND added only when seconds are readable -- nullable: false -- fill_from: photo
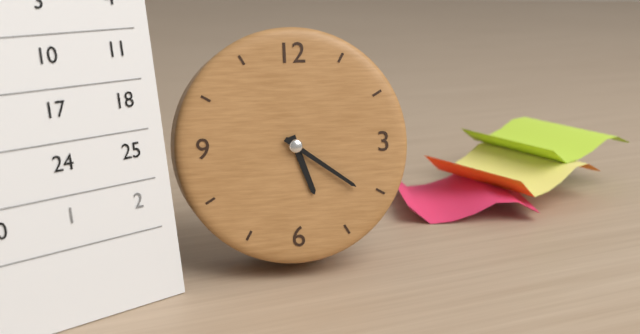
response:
h=5 m=21
